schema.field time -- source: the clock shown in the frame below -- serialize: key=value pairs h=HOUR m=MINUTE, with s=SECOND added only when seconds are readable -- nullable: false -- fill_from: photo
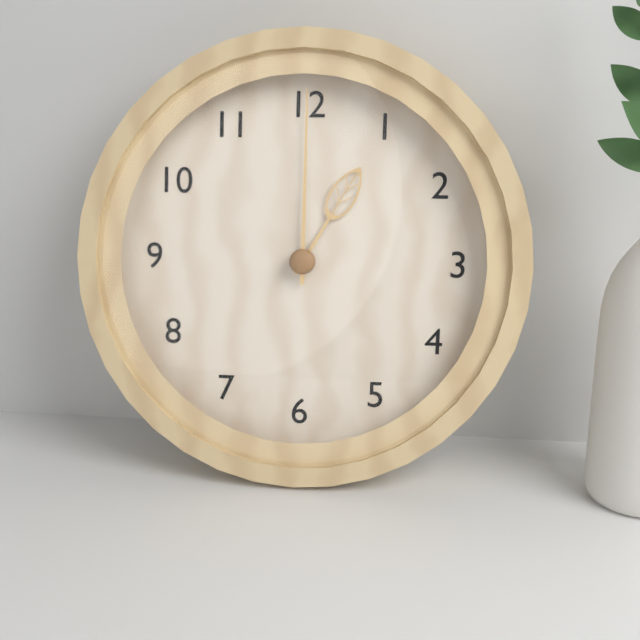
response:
h=1 m=0
